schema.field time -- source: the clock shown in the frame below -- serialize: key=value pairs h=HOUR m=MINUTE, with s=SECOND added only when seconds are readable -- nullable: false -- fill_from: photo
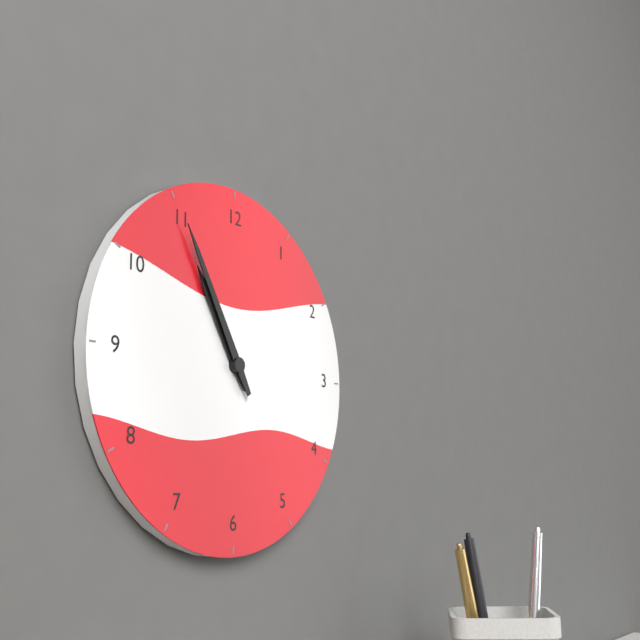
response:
h=10 m=55
